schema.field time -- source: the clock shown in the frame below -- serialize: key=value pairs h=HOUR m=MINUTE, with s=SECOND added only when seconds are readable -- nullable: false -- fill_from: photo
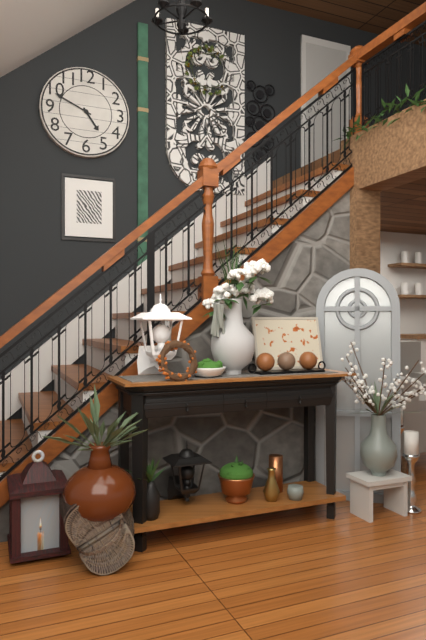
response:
h=4 m=49
